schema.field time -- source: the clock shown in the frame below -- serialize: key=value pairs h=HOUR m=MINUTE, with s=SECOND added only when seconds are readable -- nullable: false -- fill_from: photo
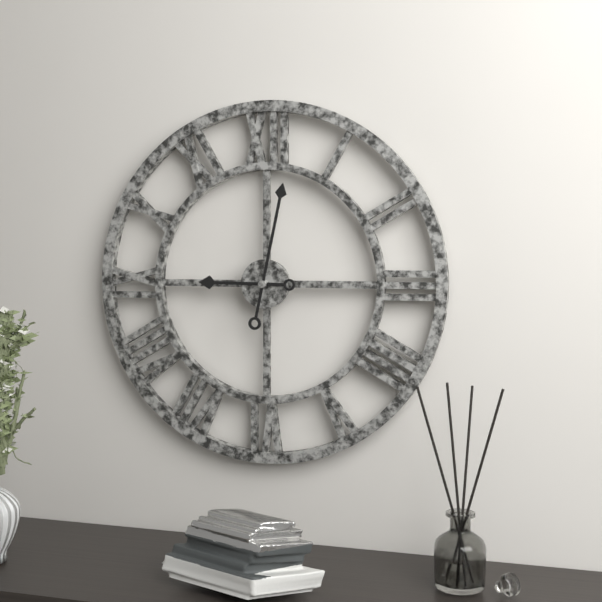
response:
h=9 m=2
